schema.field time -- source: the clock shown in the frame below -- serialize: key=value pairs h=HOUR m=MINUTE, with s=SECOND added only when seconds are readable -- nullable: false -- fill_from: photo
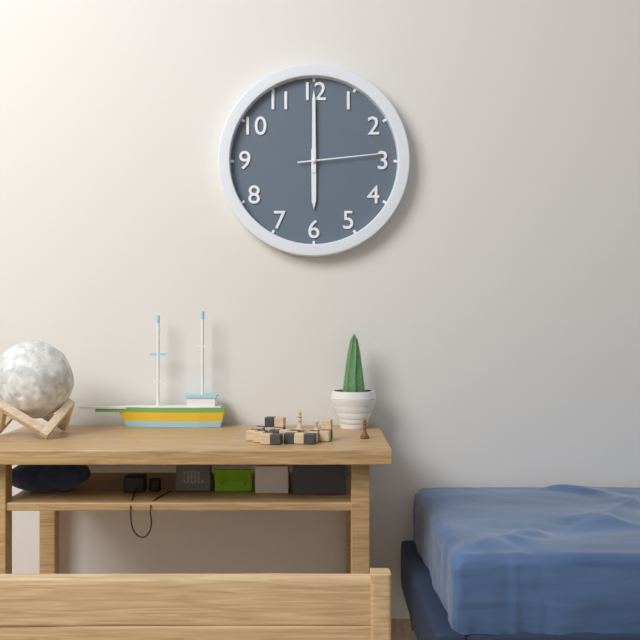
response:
h=6 m=0 s=14
